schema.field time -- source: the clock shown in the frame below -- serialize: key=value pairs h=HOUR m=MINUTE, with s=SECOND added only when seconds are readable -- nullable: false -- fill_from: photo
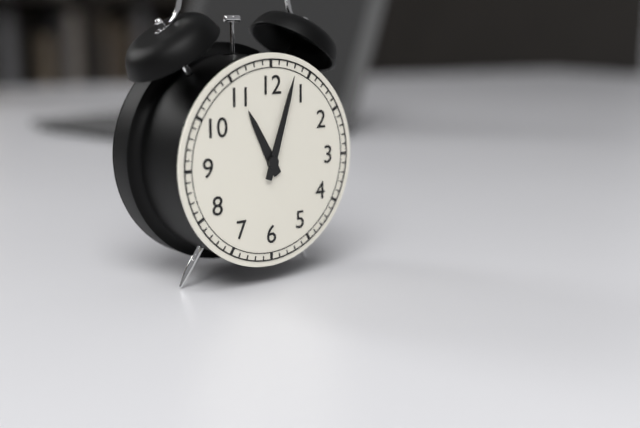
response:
h=11 m=3
